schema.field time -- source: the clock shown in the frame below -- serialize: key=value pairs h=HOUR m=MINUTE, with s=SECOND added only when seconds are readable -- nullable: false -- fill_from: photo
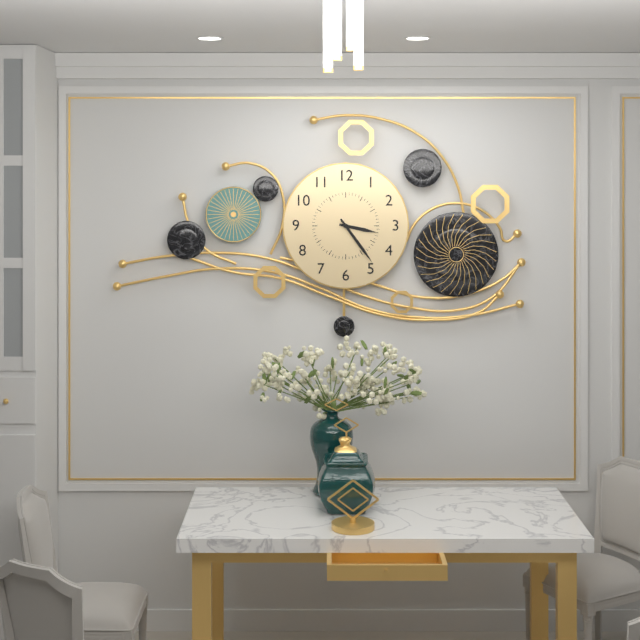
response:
h=3 m=24
